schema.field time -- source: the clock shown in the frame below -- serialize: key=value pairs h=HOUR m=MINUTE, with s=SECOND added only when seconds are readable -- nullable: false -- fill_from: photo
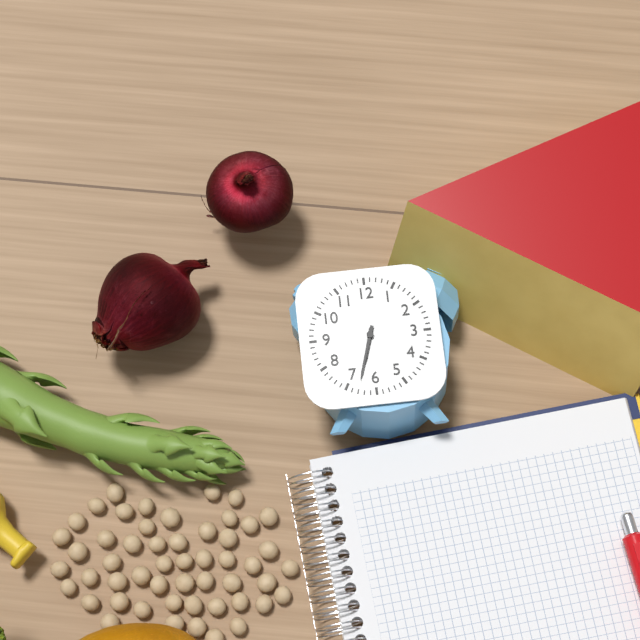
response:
h=6 m=33
